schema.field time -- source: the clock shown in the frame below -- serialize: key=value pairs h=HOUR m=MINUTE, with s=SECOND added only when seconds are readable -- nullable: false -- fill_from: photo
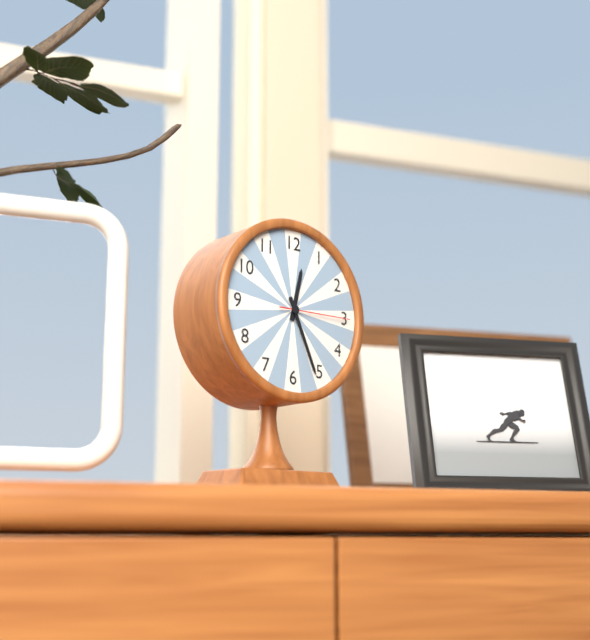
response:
h=12 m=26 s=15
